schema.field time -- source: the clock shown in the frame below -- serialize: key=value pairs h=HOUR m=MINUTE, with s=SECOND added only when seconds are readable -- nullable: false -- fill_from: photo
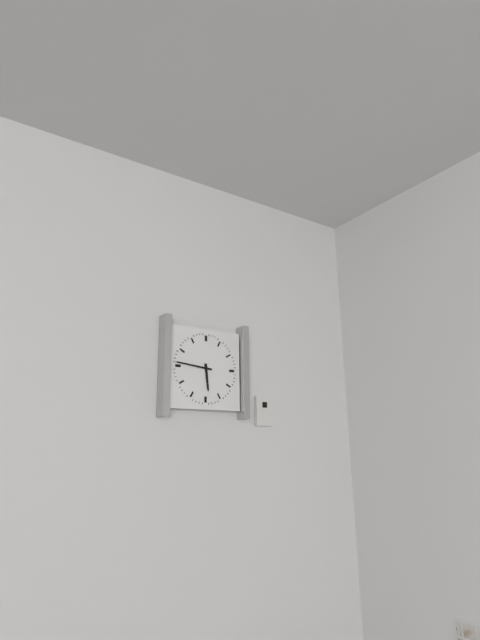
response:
h=5 m=46
